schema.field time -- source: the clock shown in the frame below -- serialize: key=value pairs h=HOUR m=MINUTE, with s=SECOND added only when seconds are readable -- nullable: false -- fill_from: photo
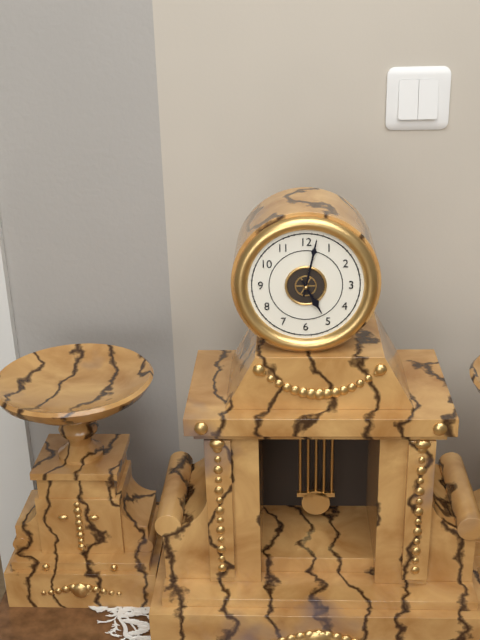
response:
h=5 m=2
